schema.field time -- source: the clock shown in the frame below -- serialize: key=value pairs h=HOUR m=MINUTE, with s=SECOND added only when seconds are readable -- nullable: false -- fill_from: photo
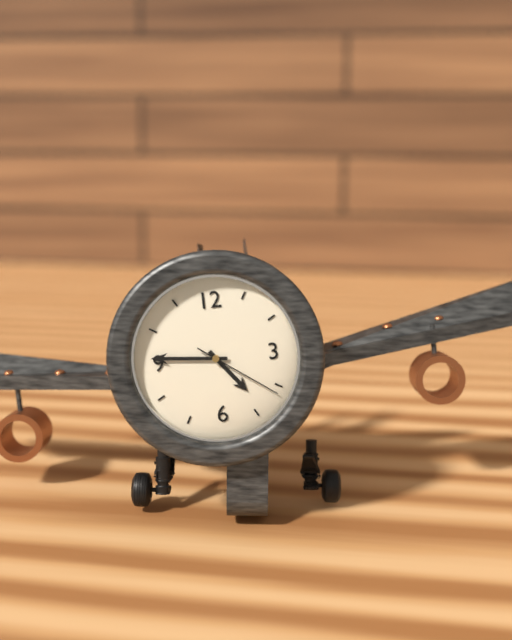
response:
h=4 m=46 s=21
